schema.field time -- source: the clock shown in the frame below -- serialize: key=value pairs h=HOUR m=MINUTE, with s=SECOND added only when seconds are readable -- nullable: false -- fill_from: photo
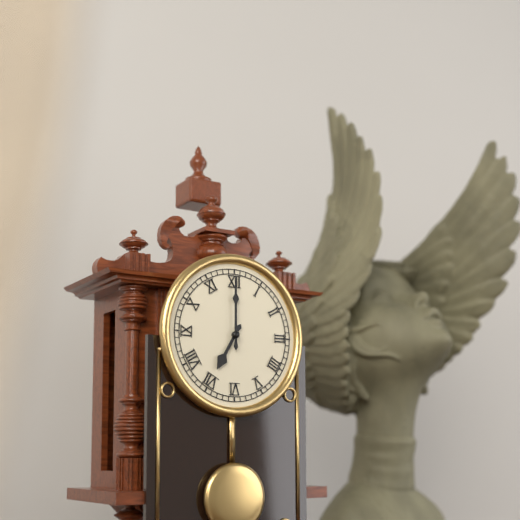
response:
h=7 m=0
